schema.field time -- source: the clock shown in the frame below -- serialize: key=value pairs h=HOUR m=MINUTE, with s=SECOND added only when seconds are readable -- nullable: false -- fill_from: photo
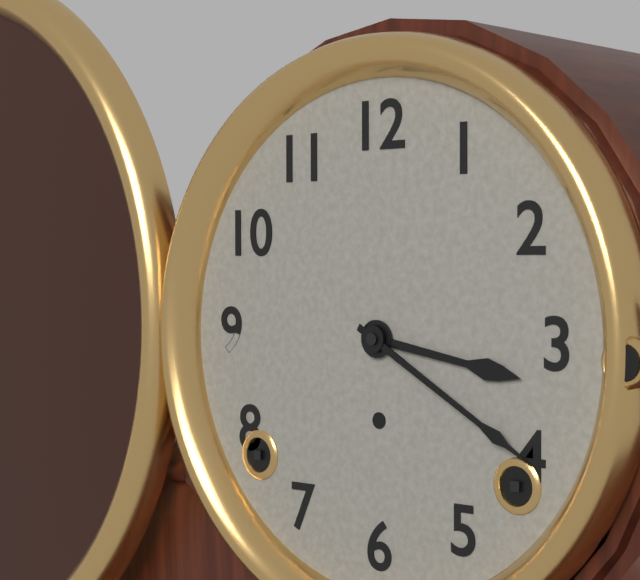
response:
h=3 m=20
